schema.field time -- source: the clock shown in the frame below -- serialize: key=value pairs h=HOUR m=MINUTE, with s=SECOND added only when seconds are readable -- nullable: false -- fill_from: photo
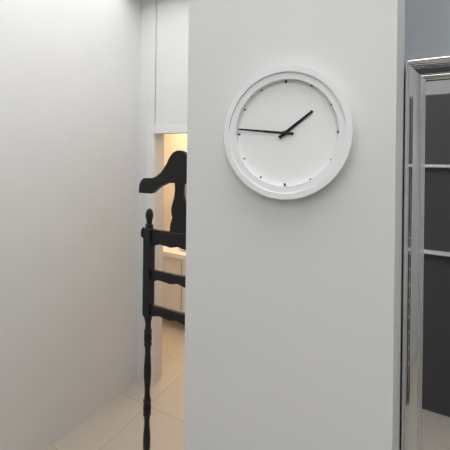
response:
h=1 m=46
